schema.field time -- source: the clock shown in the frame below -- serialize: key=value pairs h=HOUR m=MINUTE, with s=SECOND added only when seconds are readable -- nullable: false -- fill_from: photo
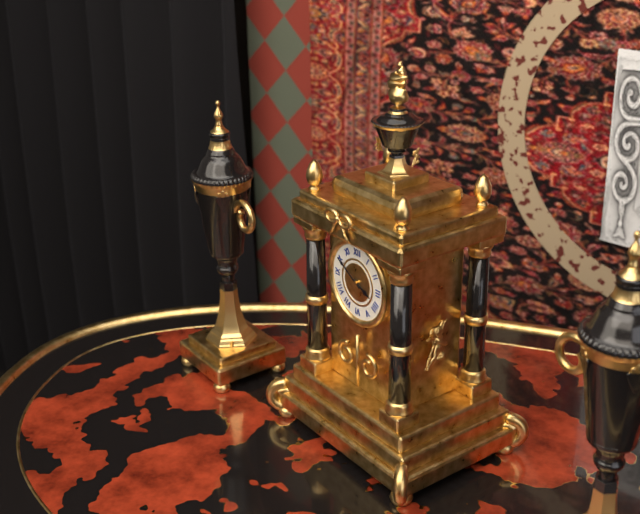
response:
h=3 m=50
